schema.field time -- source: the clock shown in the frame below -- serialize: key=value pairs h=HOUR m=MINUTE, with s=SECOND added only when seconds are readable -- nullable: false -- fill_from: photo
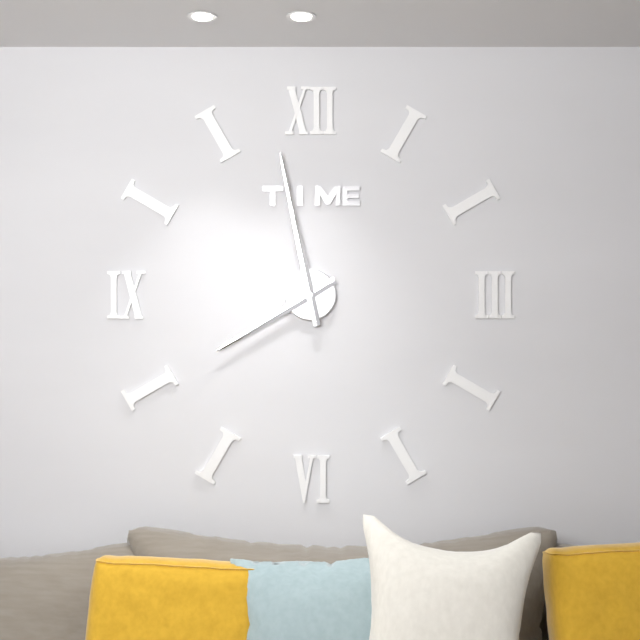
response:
h=7 m=58
